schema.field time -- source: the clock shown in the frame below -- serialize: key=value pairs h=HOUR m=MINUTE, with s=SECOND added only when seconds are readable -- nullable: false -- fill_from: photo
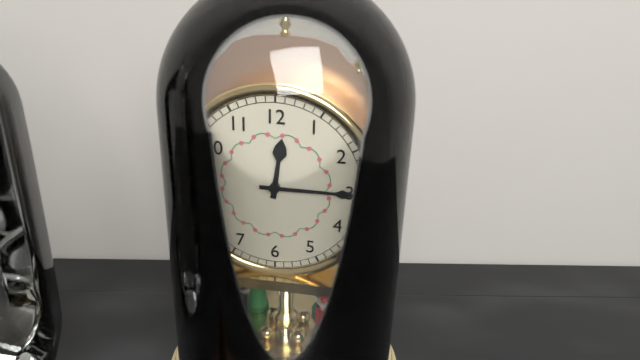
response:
h=12 m=15
